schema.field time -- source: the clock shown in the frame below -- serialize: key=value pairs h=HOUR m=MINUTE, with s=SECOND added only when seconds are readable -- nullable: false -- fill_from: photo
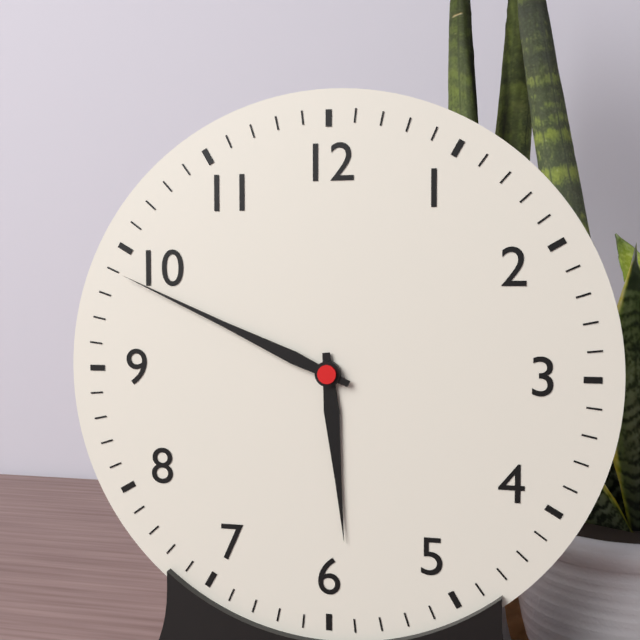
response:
h=5 m=49
